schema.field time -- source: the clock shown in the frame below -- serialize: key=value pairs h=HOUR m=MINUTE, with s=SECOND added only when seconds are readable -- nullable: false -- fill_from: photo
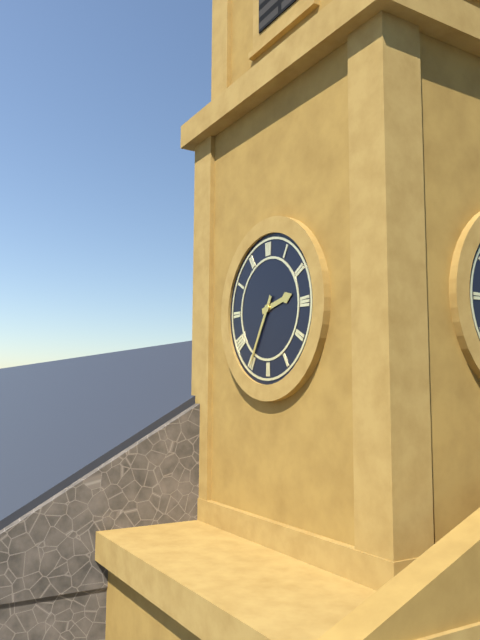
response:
h=2 m=35
